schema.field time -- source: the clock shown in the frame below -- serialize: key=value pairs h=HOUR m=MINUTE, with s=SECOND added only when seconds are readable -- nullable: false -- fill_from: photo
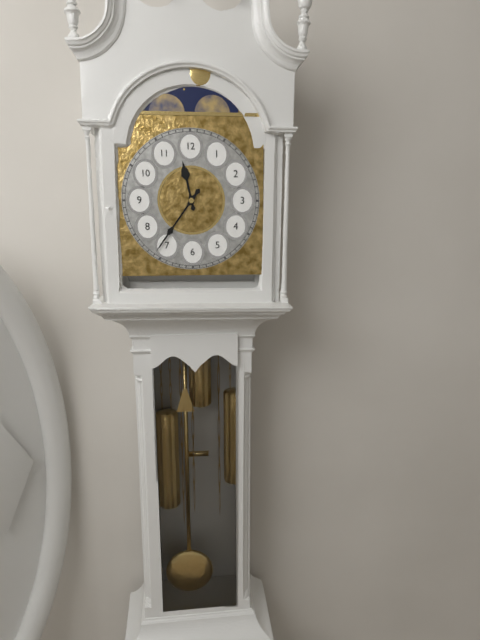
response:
h=11 m=36
